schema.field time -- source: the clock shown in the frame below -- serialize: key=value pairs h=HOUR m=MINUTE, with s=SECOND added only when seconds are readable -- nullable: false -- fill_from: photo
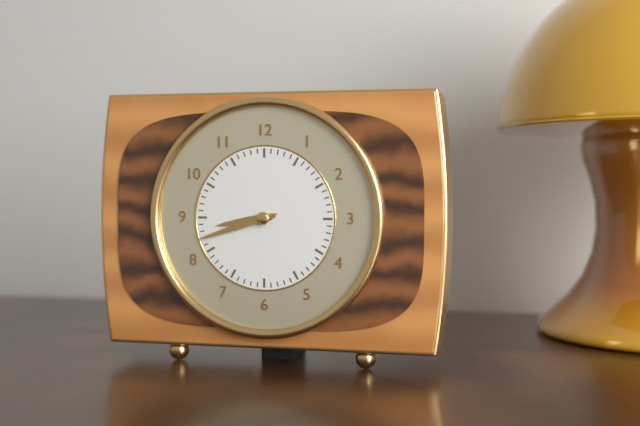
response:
h=8 m=42
